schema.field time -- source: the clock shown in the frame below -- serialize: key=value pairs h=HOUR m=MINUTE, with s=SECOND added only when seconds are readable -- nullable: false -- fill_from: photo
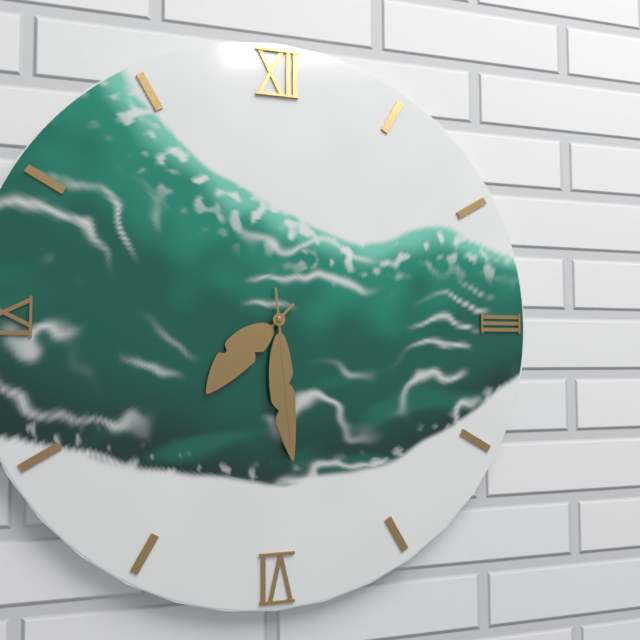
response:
h=7 m=29
